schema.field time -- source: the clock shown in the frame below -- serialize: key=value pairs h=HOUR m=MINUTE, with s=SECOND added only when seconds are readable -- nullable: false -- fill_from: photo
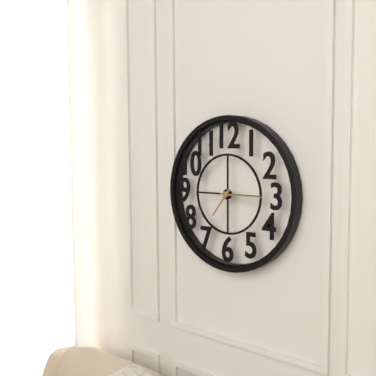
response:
h=7 m=15
